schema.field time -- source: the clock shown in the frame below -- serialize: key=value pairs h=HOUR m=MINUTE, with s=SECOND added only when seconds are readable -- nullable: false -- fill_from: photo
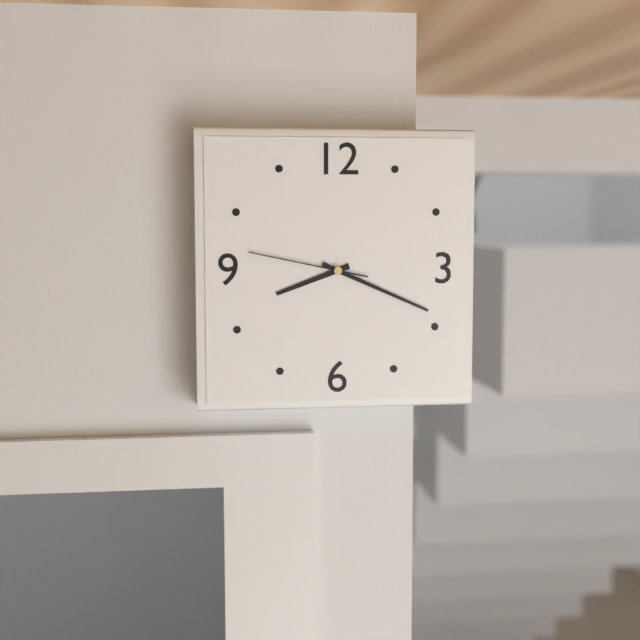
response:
h=8 m=19 s=47
